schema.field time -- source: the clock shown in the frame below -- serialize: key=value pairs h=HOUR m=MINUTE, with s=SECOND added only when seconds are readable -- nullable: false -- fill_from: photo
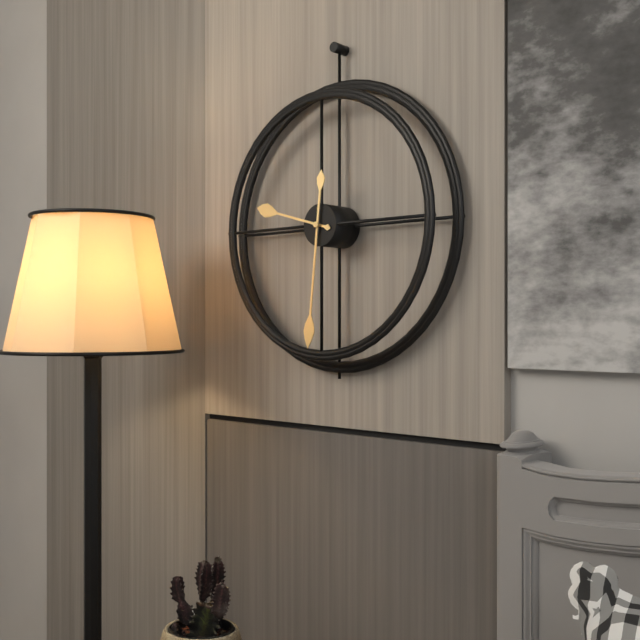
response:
h=9 m=31
